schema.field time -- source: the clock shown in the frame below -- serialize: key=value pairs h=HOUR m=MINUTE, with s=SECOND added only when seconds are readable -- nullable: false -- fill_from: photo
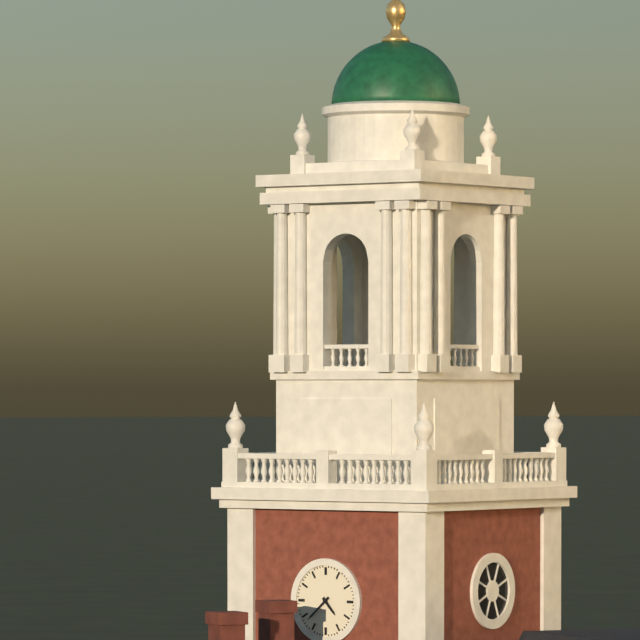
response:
h=4 m=38
